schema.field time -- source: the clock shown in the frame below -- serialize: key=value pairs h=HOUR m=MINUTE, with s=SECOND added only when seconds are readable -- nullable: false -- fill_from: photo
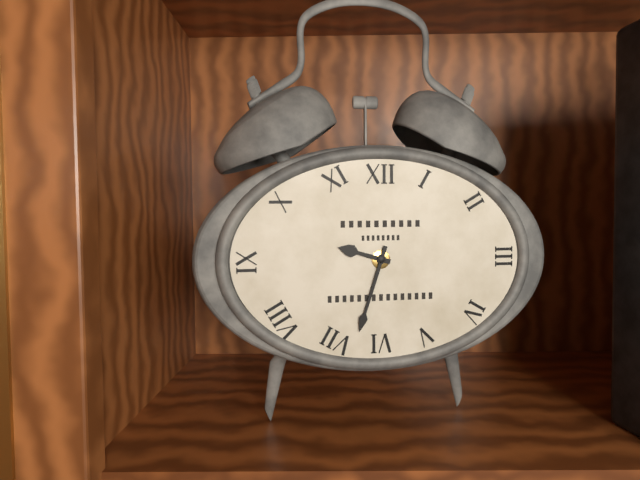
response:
h=9 m=33
